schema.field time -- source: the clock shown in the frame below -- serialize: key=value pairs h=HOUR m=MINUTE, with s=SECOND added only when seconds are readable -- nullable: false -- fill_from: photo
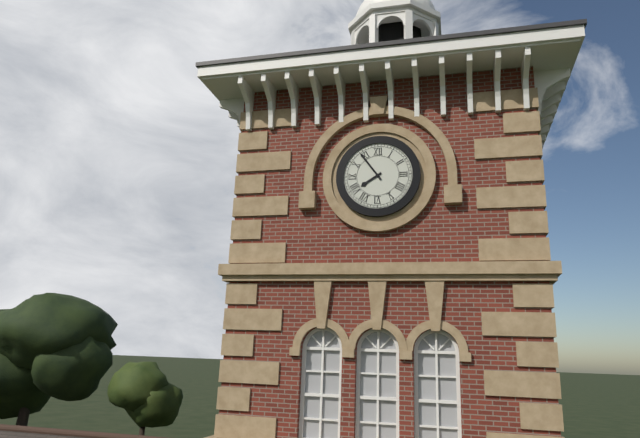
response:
h=7 m=54
